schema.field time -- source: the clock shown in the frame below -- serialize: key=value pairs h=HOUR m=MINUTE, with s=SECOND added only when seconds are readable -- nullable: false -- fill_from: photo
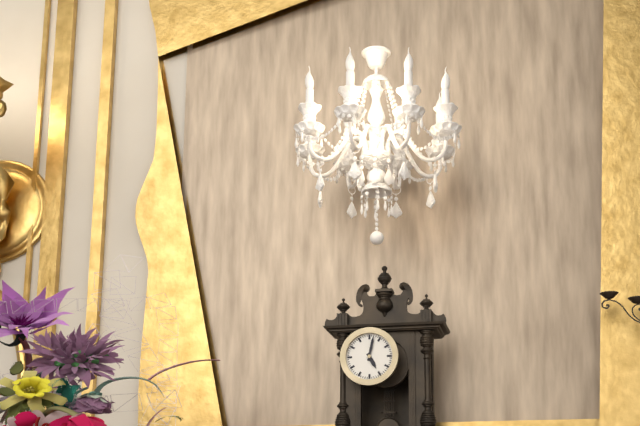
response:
h=5 m=2
